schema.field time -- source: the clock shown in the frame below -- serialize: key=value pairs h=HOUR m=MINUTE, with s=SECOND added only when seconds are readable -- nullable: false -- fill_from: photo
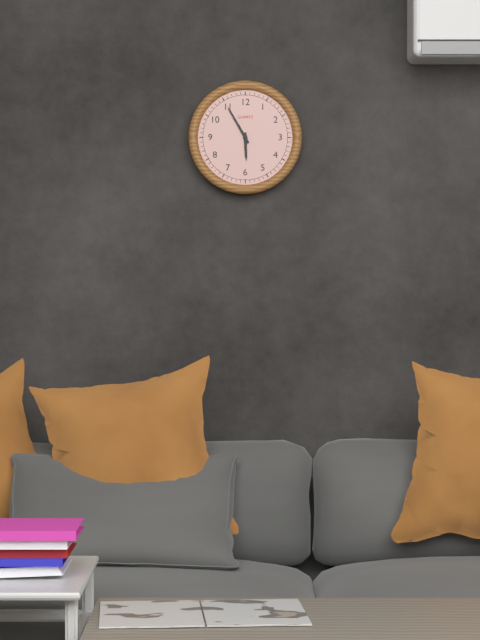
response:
h=5 m=55
